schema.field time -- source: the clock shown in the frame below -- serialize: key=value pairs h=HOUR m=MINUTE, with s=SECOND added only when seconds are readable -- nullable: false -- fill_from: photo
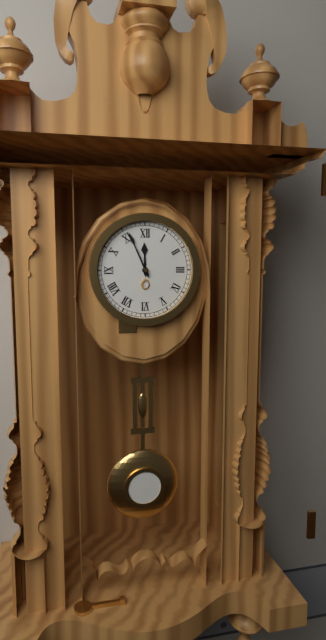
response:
h=11 m=56
